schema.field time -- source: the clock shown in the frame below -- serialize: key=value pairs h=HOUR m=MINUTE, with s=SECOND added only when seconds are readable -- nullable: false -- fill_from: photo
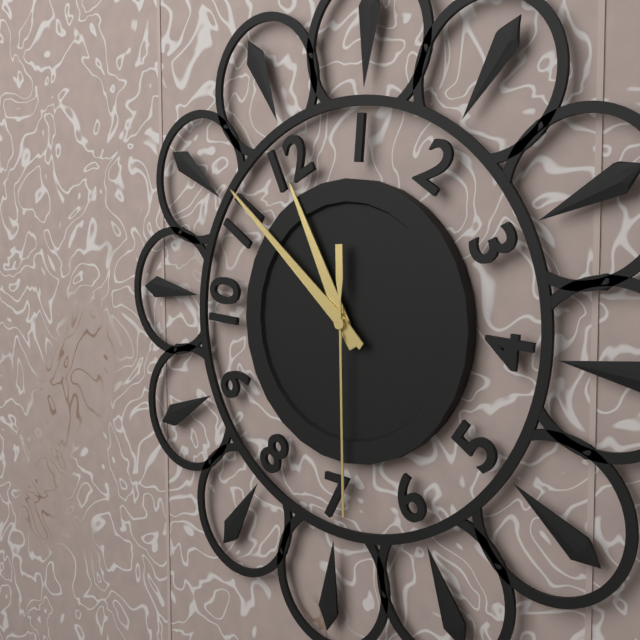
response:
h=11 m=56 s=34
